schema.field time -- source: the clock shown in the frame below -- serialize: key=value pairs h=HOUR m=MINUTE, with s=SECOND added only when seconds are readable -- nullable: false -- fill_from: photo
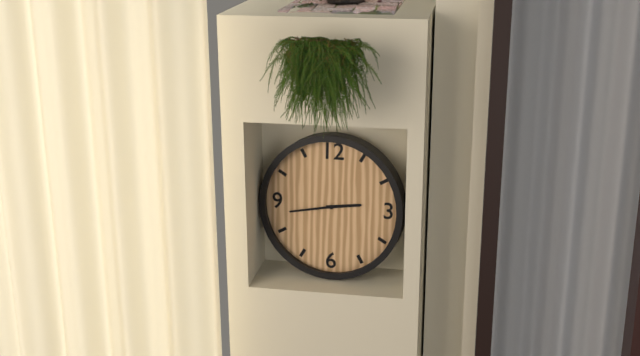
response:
h=2 m=43
